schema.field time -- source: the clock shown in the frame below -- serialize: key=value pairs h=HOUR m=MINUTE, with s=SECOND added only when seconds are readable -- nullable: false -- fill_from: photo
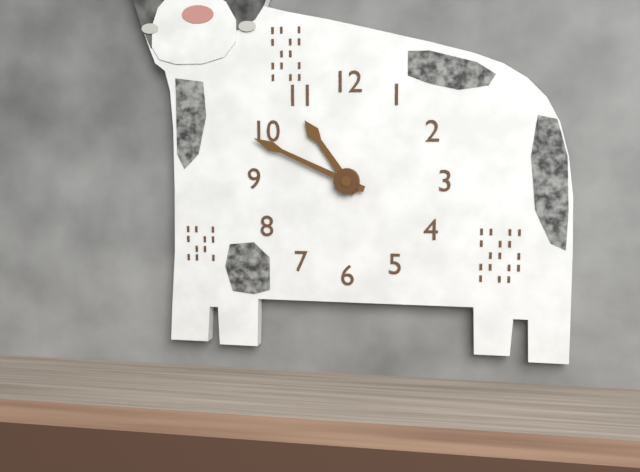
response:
h=10 m=49
